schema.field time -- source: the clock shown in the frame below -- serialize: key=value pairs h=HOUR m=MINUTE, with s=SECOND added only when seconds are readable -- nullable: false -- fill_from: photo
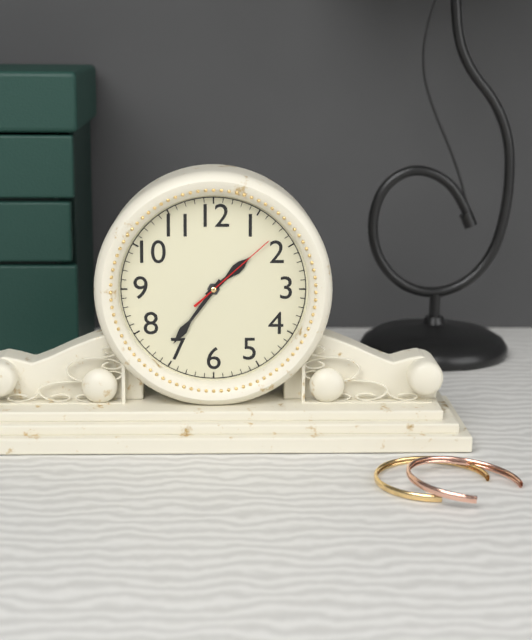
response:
h=1 m=36 s=8
